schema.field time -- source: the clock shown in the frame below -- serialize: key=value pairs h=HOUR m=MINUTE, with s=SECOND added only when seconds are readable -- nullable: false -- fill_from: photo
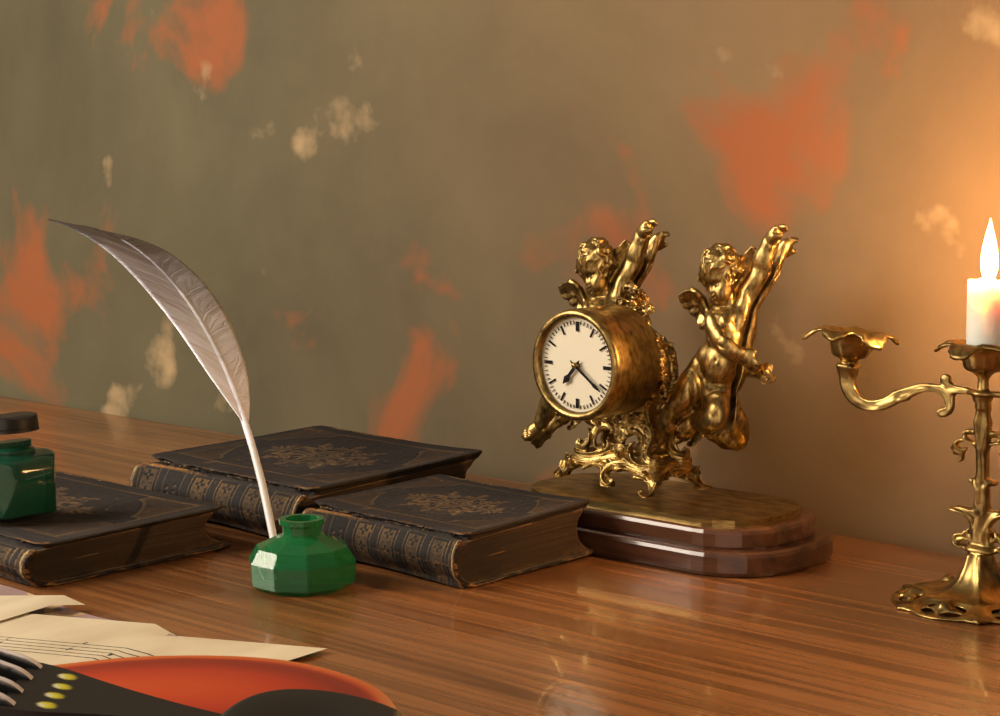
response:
h=7 m=21
